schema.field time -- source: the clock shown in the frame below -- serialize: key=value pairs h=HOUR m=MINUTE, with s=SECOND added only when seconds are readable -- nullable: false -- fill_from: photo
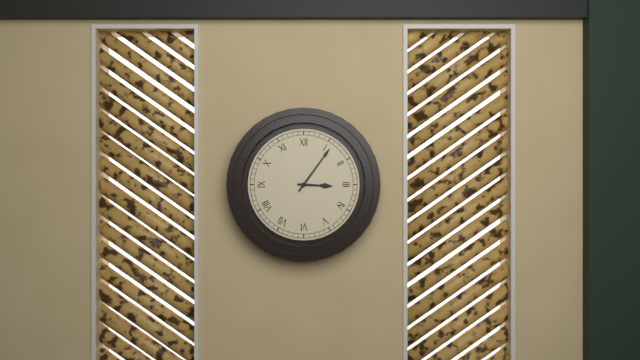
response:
h=3 m=6
